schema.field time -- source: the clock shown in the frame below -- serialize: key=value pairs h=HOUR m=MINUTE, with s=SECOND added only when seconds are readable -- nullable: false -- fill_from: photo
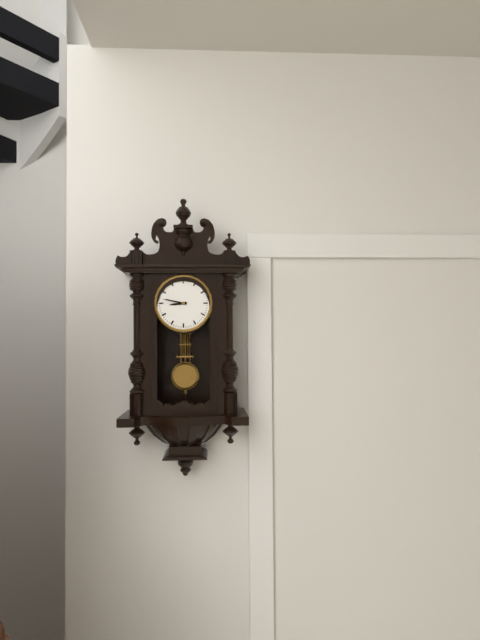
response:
h=8 m=47
